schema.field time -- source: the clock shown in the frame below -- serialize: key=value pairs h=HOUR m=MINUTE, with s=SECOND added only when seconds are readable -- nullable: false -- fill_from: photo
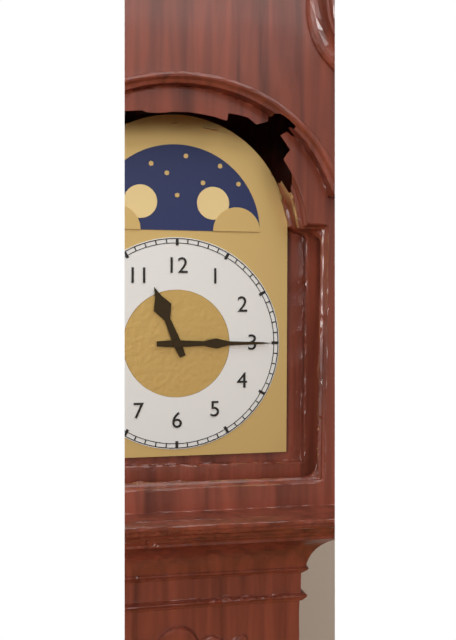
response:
h=11 m=15
